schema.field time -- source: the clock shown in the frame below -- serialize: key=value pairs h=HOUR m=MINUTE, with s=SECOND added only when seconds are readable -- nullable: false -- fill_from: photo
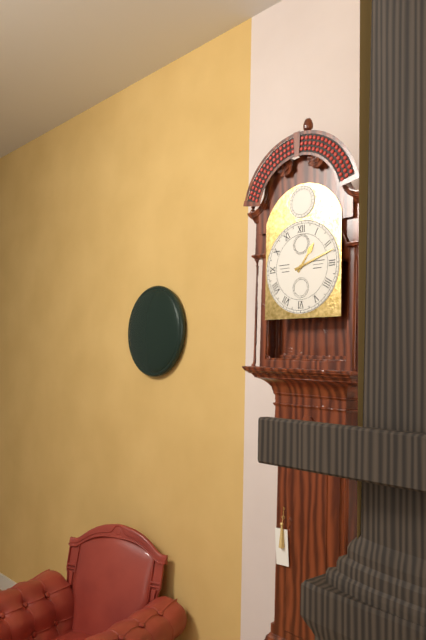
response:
h=1 m=12
